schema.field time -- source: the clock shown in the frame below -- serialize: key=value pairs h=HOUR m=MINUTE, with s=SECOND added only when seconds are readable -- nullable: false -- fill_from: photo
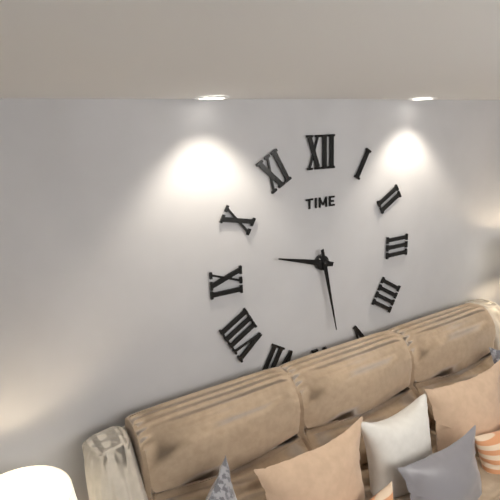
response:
h=9 m=28
